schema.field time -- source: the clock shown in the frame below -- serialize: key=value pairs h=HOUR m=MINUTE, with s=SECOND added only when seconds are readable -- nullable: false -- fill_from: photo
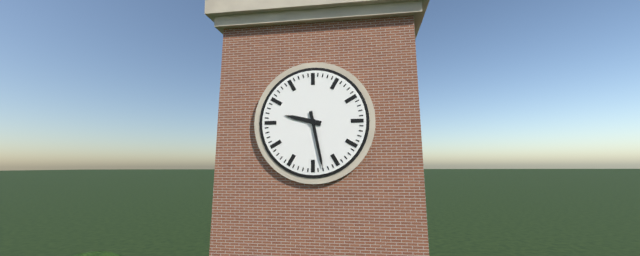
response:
h=9 m=28
